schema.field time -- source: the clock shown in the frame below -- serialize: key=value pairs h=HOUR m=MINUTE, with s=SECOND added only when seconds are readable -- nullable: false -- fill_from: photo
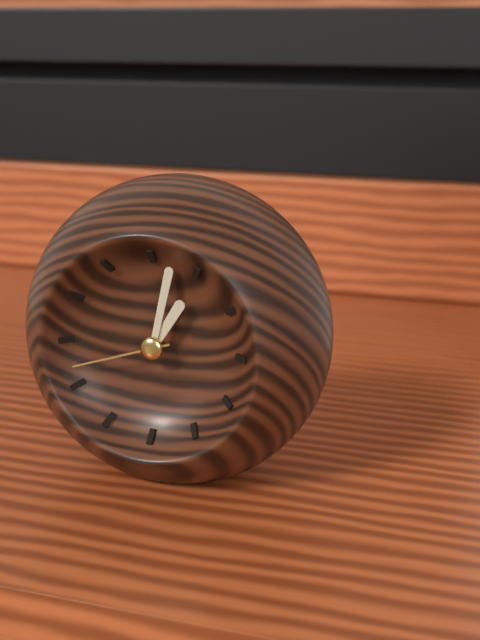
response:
h=1 m=2 s=42
